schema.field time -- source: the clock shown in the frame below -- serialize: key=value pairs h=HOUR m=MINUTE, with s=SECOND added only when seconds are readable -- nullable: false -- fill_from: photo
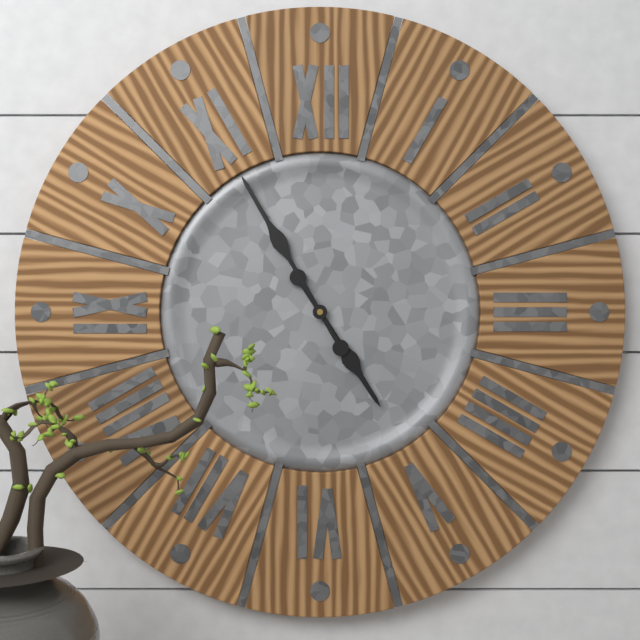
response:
h=4 m=55
